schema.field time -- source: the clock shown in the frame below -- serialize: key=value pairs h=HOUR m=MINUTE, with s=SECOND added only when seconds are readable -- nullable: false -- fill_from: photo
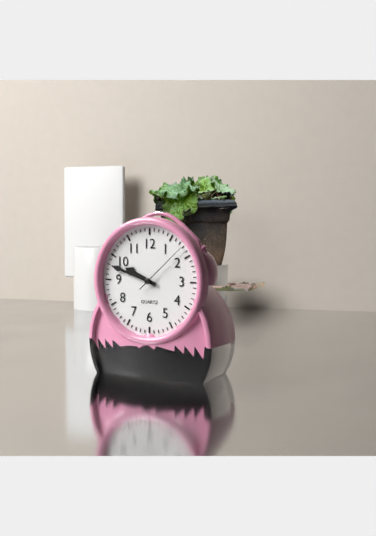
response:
h=9 m=48 s=8
